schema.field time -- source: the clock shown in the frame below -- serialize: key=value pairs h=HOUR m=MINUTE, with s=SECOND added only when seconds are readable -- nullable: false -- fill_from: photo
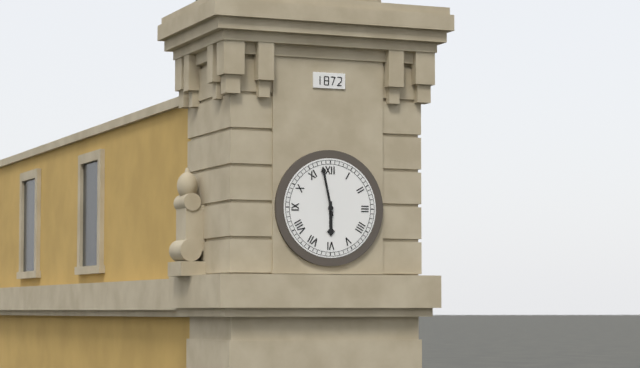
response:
h=5 m=58
